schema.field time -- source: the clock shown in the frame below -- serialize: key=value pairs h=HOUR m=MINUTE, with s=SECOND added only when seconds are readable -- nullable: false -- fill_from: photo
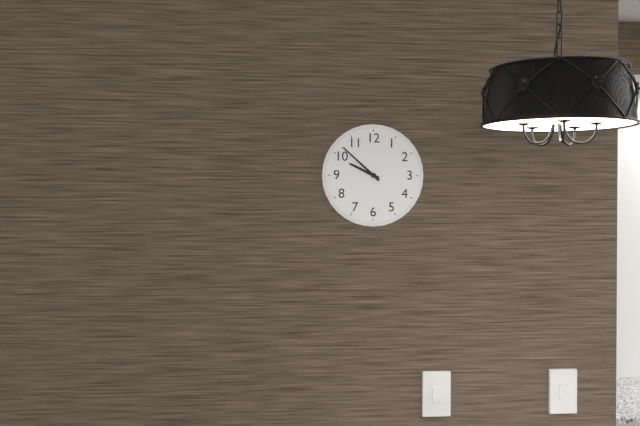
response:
h=9 m=52
